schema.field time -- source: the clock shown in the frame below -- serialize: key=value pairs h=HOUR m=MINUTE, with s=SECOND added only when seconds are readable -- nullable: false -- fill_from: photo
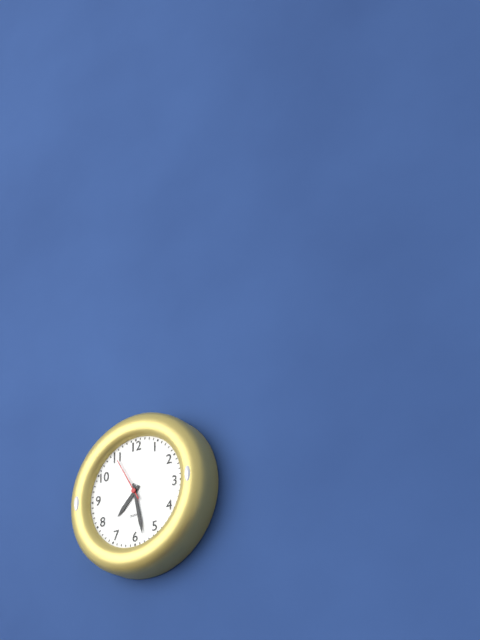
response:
h=7 m=28 s=55
